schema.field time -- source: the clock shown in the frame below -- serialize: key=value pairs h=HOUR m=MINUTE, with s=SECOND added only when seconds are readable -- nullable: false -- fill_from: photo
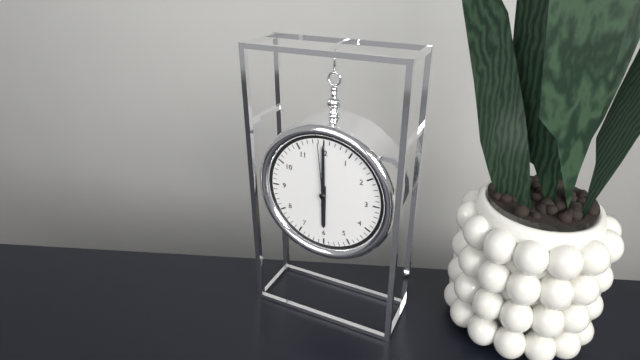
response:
h=6 m=0 s=59
